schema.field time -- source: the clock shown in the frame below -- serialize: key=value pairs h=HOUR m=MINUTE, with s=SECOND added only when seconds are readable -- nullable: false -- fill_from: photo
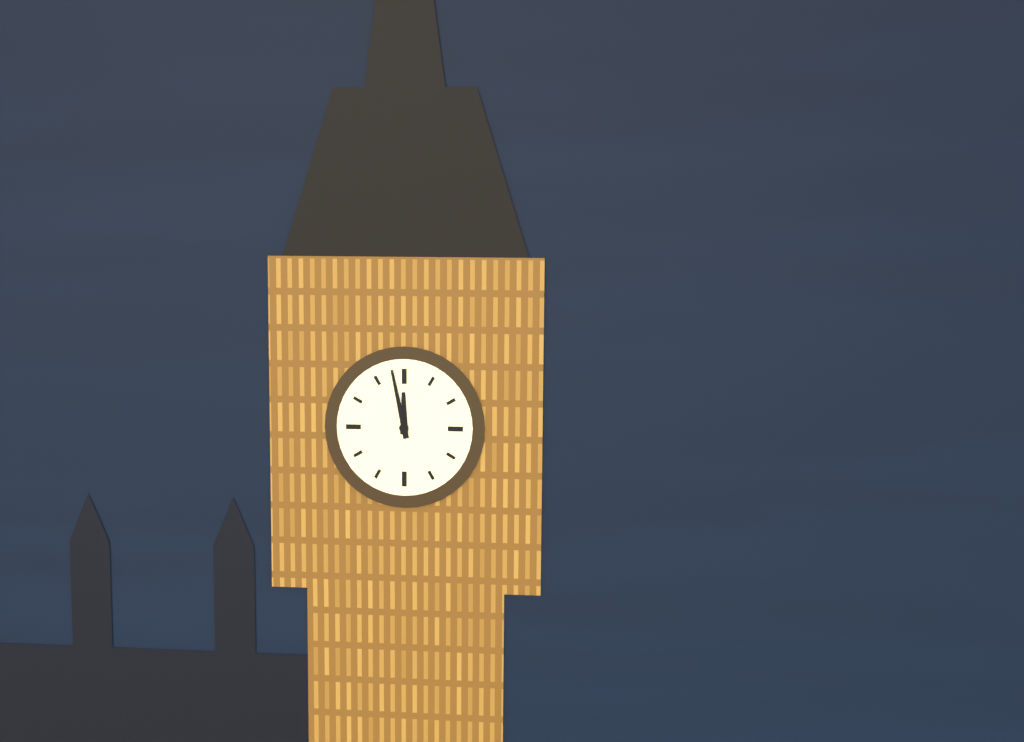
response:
h=11 m=58
